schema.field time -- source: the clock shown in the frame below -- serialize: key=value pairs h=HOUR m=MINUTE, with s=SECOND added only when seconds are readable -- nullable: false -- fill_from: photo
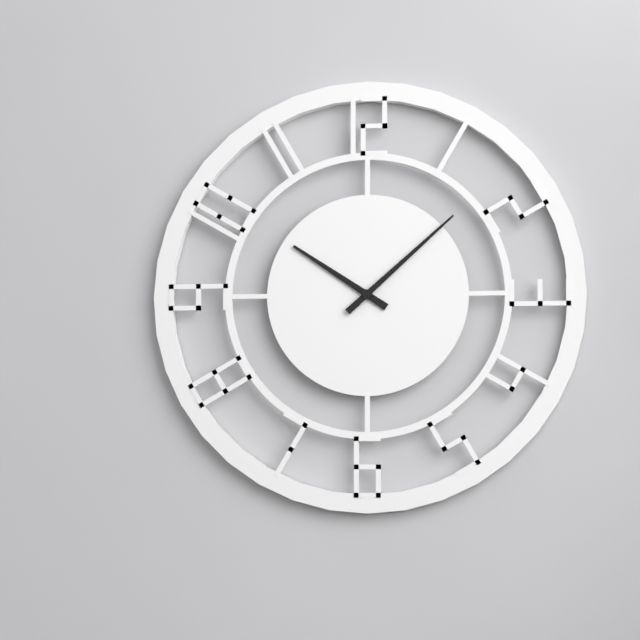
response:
h=10 m=8
